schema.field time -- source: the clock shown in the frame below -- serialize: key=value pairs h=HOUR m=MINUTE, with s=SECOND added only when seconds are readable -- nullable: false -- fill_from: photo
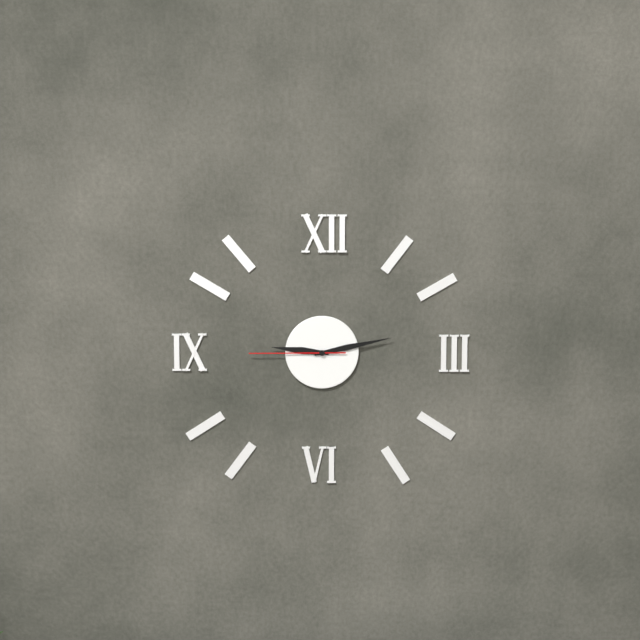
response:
h=9 m=13 s=45
